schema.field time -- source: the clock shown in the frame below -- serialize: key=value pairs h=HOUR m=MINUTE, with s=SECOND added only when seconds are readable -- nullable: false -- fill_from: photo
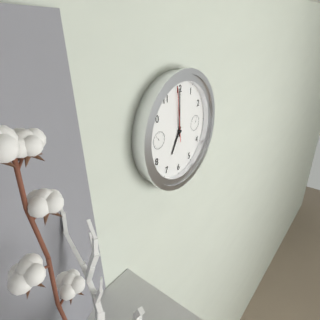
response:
h=7 m=0 s=59
